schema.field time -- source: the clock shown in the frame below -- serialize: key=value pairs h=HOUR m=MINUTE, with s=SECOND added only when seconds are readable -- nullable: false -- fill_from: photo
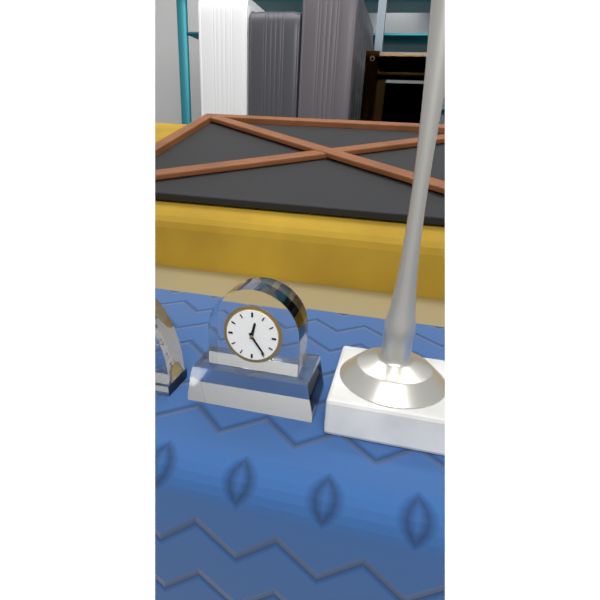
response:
h=12 m=24
